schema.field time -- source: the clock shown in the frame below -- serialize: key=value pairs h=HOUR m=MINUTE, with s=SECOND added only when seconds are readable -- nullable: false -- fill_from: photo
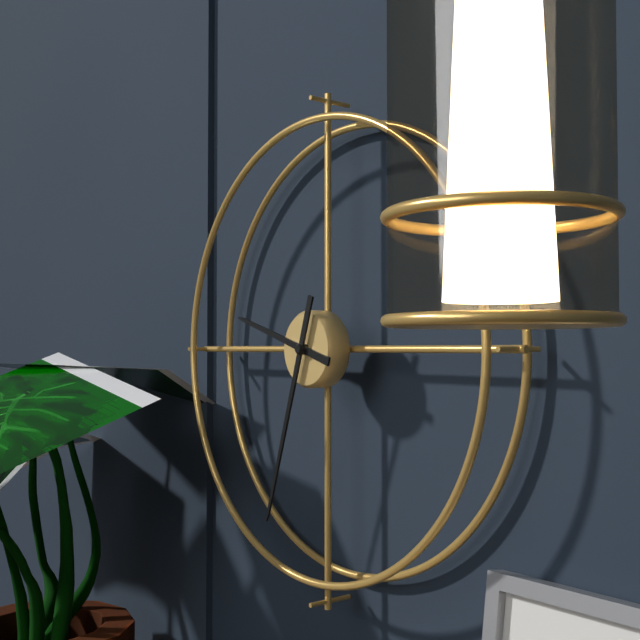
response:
h=9 m=33
